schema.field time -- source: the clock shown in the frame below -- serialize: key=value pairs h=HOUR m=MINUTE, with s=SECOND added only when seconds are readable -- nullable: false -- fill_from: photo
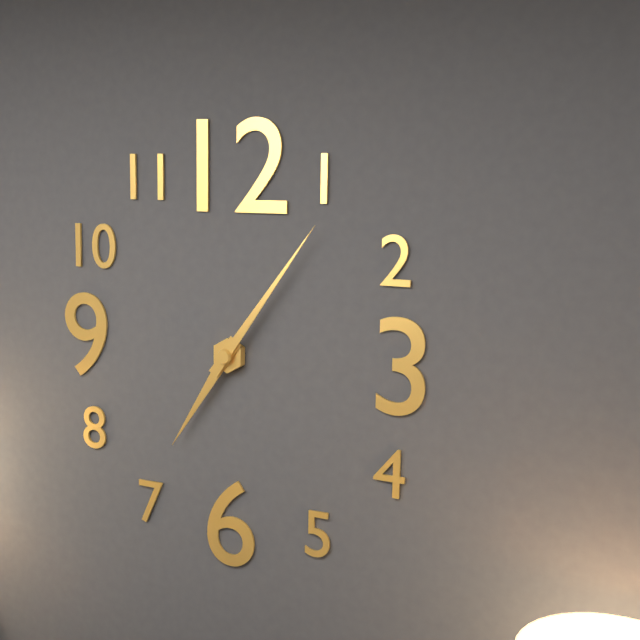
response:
h=7 m=6
